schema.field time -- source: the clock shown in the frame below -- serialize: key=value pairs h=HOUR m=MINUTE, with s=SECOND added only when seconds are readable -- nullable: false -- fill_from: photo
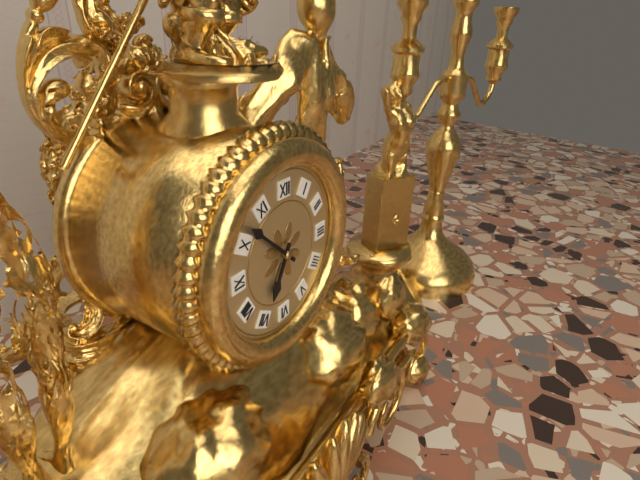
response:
h=6 m=52
